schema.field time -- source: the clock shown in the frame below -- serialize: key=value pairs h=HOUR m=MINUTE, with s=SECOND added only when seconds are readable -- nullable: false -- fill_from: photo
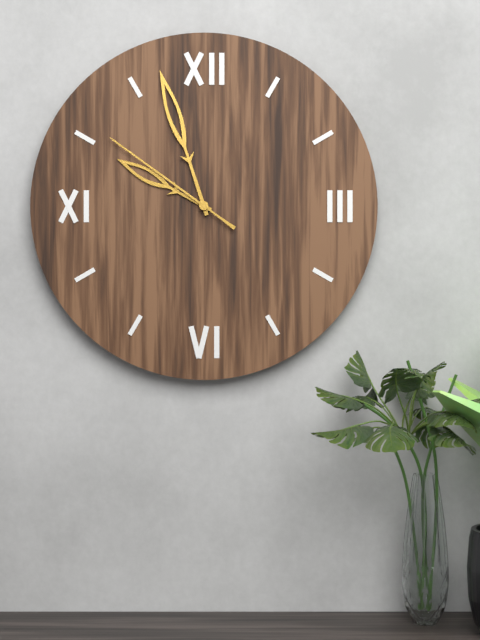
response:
h=9 m=57 s=51
